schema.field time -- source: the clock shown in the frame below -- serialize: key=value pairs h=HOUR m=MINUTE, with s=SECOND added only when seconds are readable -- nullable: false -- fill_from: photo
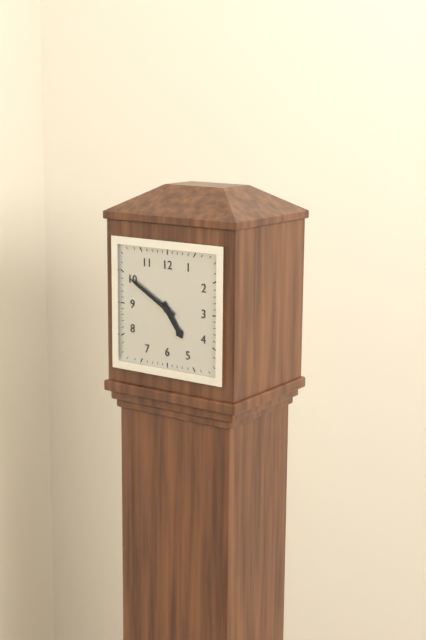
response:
h=4 m=50
